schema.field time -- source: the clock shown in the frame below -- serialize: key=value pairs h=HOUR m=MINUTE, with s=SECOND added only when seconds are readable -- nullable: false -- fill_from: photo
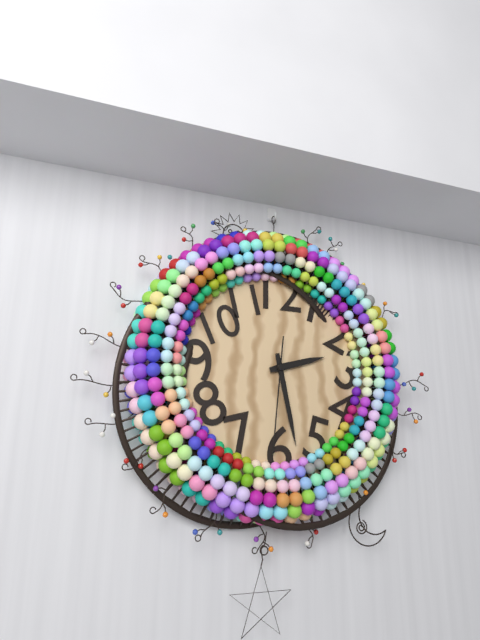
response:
h=2 m=28 s=31
